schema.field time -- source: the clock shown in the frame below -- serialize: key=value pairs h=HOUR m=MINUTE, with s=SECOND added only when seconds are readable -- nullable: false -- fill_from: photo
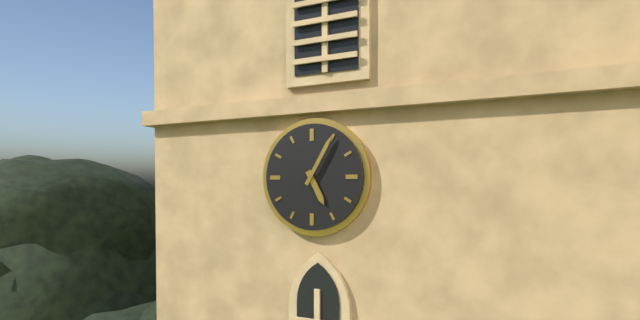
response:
h=5 m=5
